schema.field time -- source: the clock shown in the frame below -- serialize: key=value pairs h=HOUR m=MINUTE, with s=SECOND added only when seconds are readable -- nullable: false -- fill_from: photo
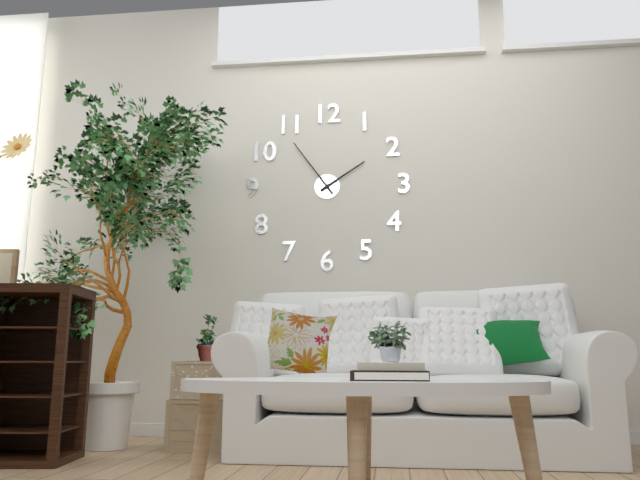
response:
h=1 m=54
